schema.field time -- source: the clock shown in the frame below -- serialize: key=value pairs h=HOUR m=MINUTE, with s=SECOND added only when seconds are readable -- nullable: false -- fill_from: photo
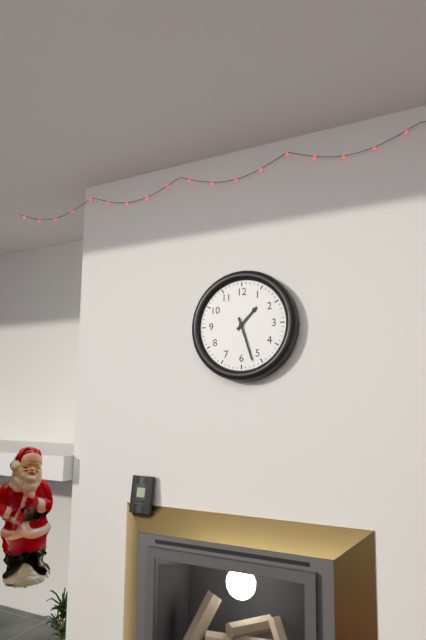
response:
h=1 m=27
